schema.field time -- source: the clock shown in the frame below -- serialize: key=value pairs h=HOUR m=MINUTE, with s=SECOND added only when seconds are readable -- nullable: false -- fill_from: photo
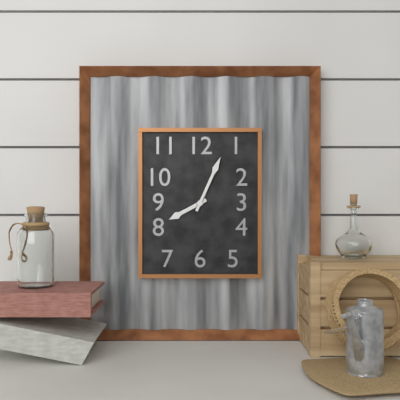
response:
h=8 m=4
